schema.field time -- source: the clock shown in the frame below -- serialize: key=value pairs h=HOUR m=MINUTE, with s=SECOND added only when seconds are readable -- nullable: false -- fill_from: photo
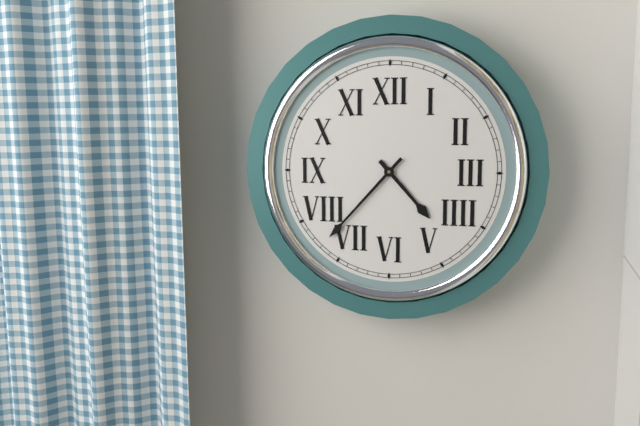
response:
h=4 m=37
